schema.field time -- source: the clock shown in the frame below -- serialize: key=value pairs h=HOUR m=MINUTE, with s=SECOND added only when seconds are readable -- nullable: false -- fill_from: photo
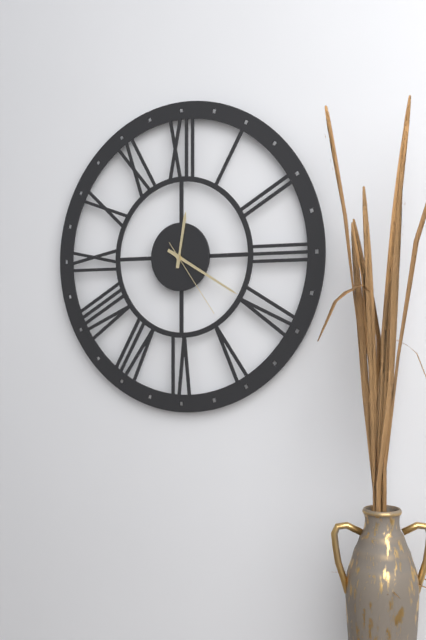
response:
h=12 m=20 s=24
